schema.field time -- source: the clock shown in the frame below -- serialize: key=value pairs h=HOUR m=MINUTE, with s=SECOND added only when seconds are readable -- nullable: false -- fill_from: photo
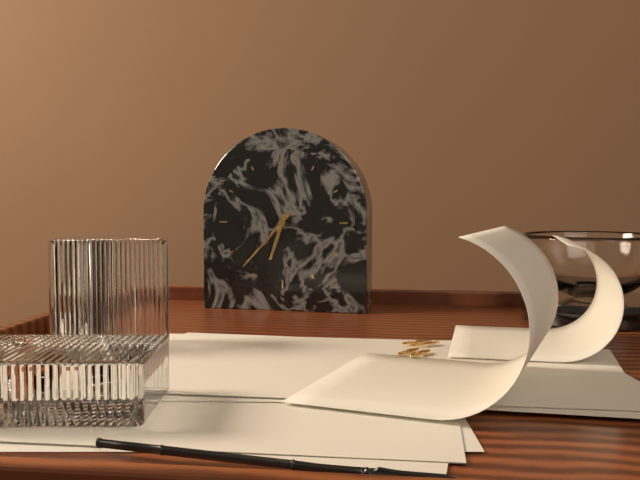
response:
h=6 m=37
